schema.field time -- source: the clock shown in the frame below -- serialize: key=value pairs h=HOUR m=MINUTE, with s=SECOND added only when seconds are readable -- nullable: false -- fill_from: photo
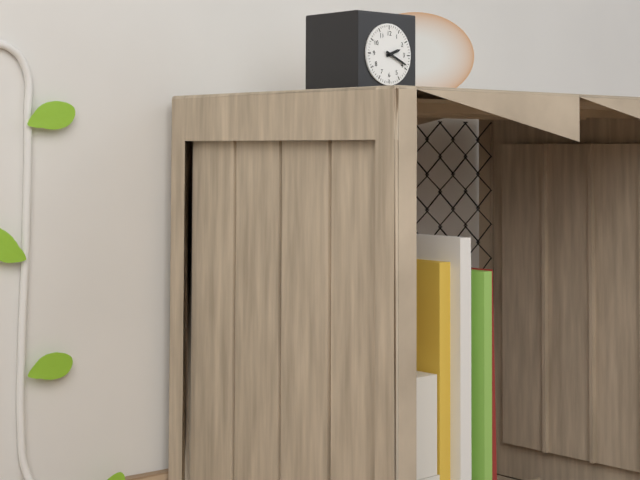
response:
h=2 m=19
